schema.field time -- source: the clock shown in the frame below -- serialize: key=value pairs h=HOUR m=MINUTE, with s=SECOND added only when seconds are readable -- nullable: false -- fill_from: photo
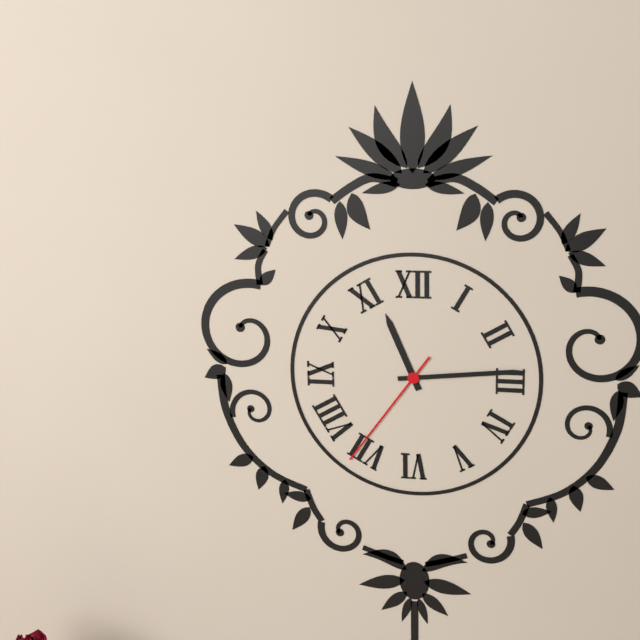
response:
h=11 m=14 s=36
